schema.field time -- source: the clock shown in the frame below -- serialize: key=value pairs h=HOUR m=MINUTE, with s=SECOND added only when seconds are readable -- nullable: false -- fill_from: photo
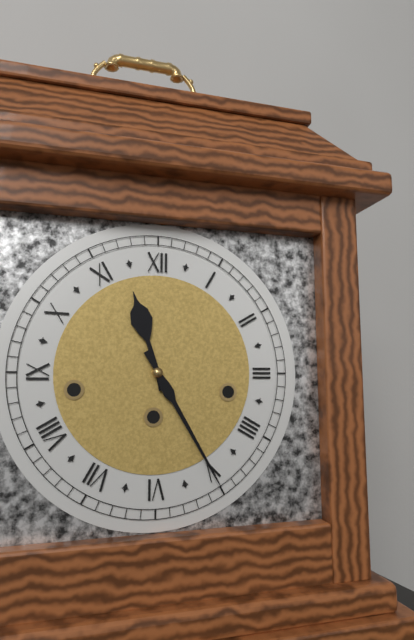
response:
h=11 m=25
